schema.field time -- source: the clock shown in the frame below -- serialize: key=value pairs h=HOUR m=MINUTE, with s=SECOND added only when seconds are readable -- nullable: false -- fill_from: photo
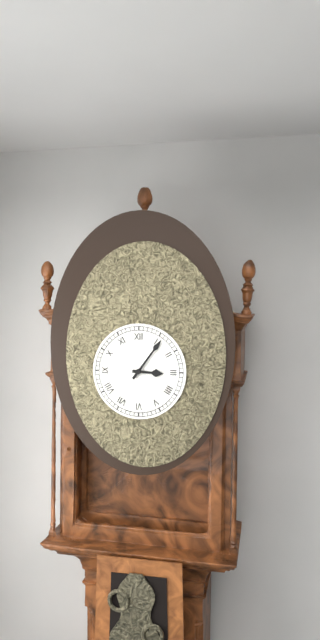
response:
h=3 m=6
